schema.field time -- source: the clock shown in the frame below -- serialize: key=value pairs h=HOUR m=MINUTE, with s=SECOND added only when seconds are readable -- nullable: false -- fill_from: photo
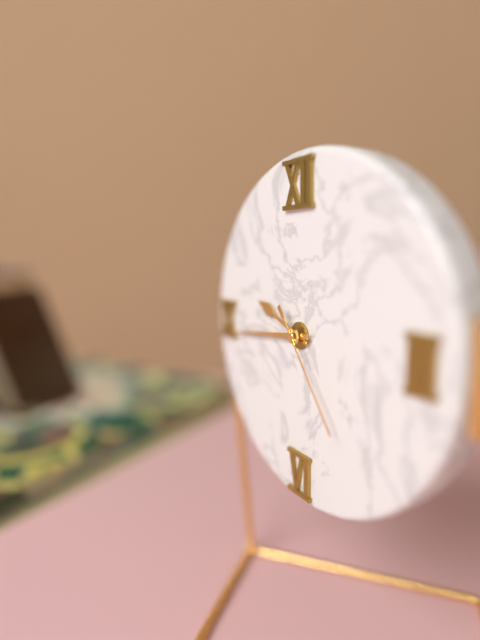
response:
h=9 m=44 s=24
